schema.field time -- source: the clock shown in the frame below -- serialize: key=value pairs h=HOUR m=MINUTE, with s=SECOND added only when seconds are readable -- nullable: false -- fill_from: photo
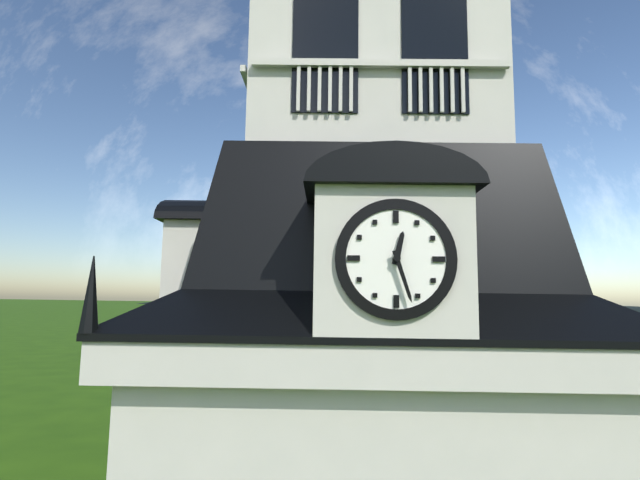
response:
h=12 m=27
